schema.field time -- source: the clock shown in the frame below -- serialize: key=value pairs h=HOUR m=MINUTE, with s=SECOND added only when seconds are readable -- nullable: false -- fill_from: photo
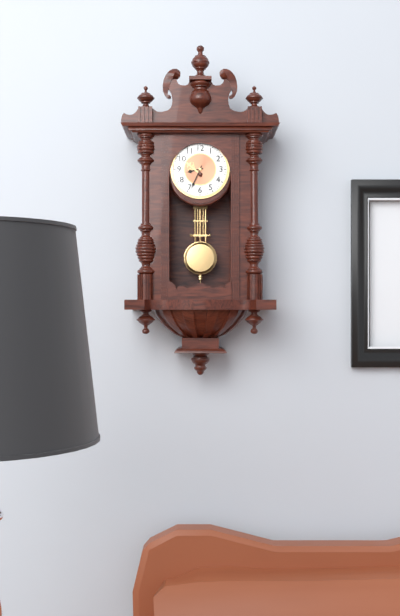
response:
h=8 m=34
